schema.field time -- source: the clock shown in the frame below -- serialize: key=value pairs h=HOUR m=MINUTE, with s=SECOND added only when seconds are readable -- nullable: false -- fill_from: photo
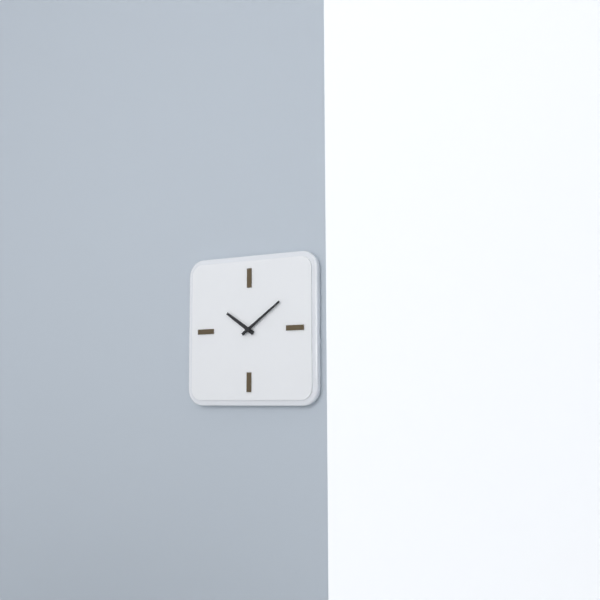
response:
h=10 m=9
